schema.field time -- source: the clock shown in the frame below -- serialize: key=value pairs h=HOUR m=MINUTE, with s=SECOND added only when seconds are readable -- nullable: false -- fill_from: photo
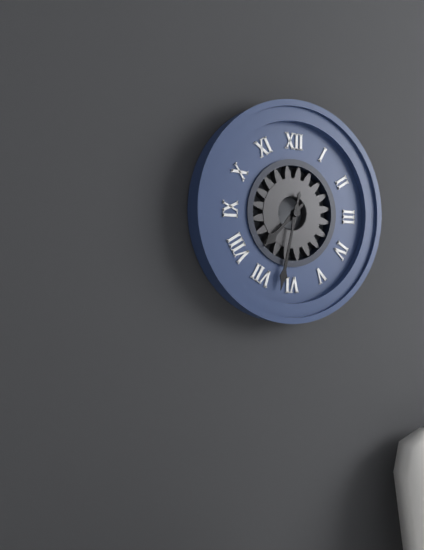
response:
h=7 m=32
